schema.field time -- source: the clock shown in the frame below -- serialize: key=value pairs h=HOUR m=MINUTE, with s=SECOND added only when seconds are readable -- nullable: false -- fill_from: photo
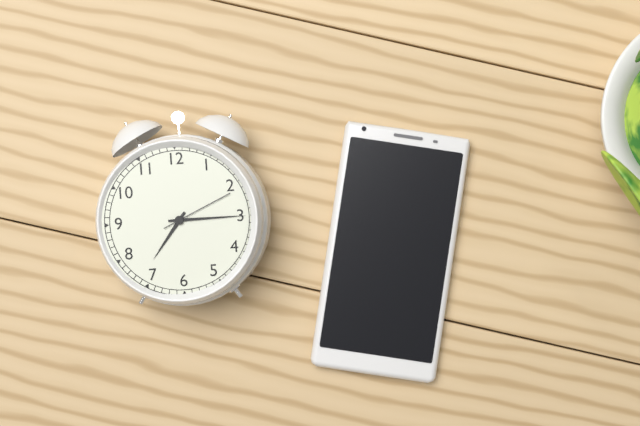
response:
h=7 m=15 s=11
